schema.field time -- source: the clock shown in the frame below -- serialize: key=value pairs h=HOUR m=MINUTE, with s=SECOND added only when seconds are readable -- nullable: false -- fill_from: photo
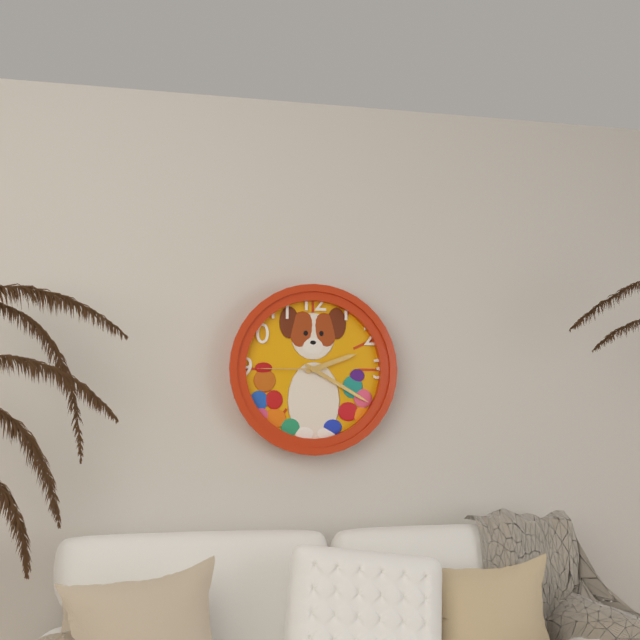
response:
h=2 m=20 s=45
